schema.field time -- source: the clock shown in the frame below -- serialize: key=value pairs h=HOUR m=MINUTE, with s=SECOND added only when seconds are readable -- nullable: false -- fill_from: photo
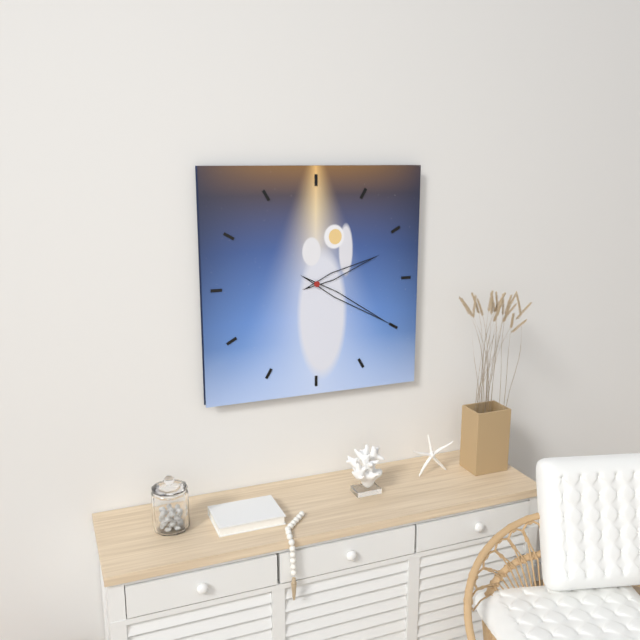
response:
h=2 m=20
